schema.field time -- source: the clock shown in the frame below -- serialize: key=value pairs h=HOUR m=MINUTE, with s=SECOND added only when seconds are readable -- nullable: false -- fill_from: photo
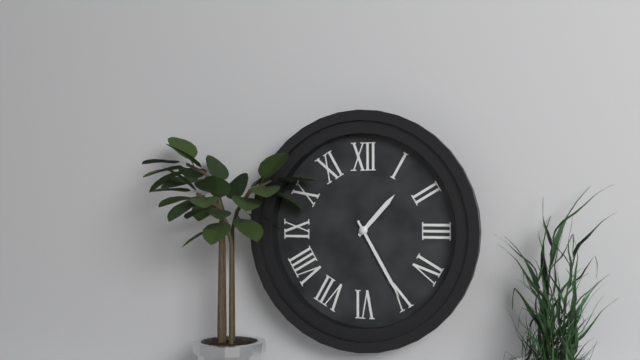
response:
h=1 m=25
